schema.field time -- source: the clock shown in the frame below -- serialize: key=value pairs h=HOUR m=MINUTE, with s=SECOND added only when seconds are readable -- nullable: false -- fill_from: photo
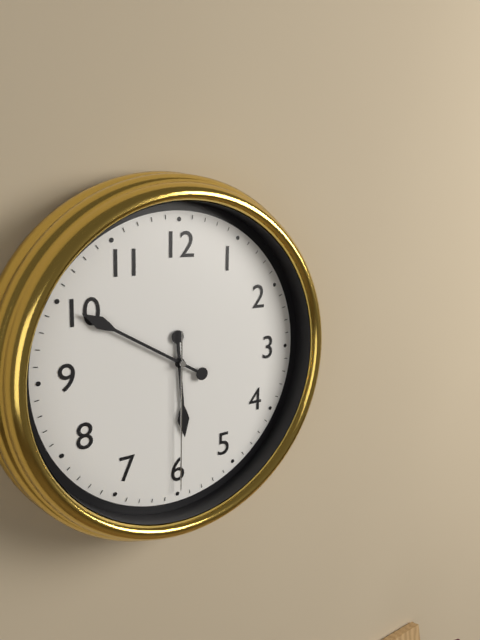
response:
h=5 m=50 s=30
